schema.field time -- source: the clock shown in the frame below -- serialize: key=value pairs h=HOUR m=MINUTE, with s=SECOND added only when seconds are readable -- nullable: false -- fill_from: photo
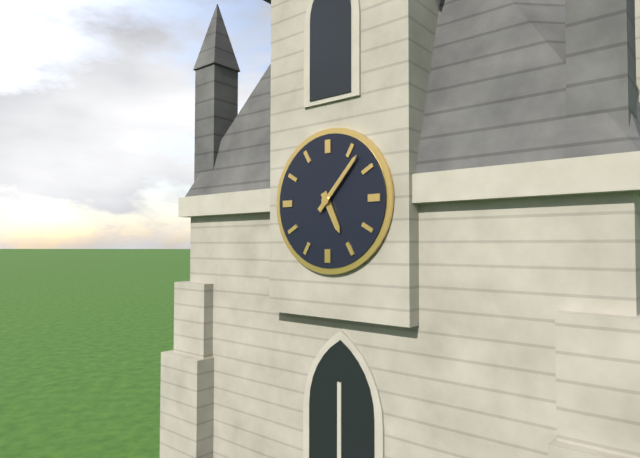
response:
h=5 m=7
